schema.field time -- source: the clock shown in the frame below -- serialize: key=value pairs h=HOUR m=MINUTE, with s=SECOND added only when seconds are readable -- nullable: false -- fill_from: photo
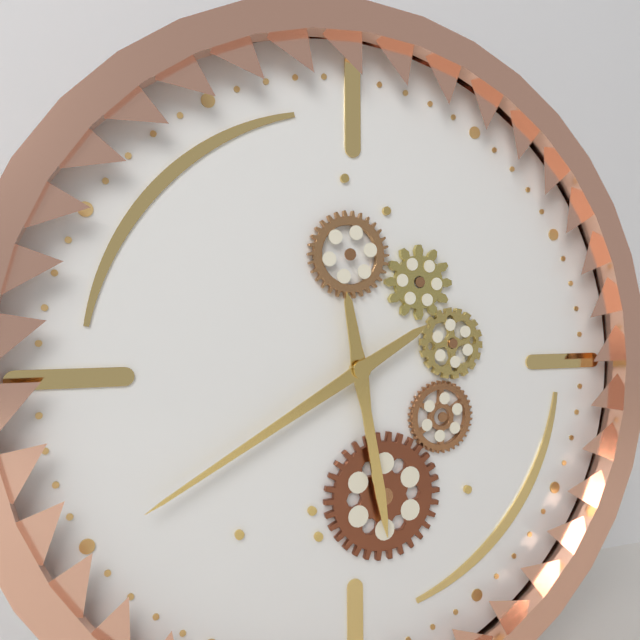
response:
h=5 m=40
